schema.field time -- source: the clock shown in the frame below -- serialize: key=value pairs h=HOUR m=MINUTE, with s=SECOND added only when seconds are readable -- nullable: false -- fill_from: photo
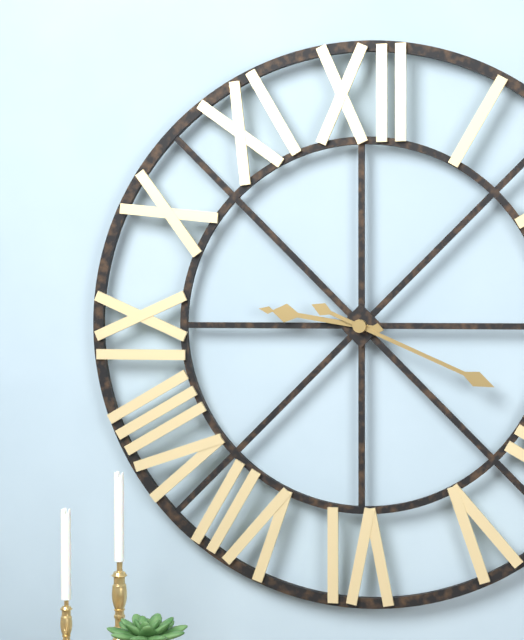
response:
h=9 m=19
